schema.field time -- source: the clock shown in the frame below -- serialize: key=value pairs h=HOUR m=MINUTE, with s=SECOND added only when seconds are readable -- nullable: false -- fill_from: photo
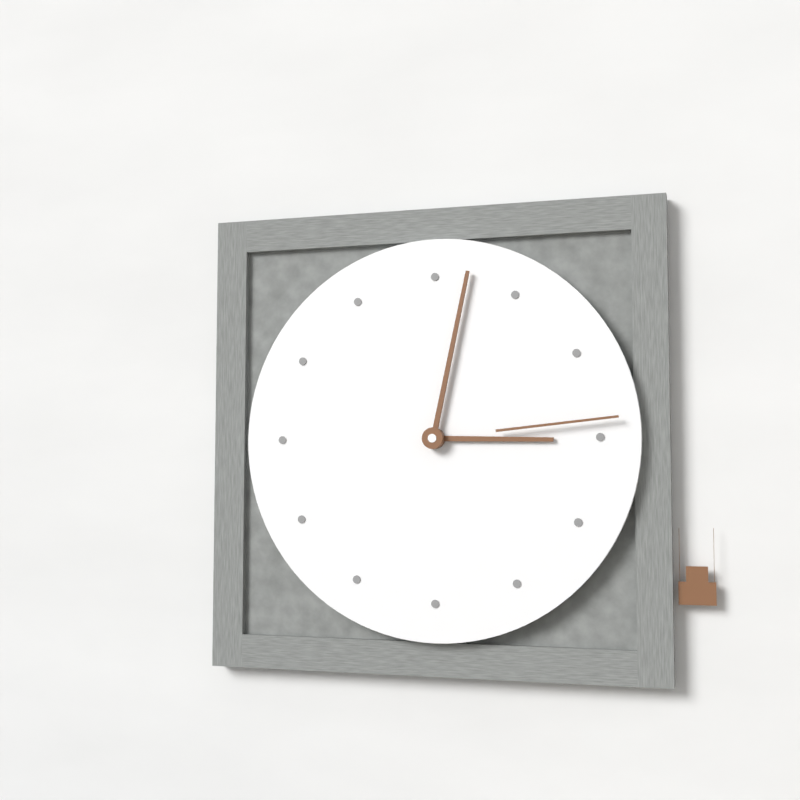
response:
h=3 m=2 s=14
